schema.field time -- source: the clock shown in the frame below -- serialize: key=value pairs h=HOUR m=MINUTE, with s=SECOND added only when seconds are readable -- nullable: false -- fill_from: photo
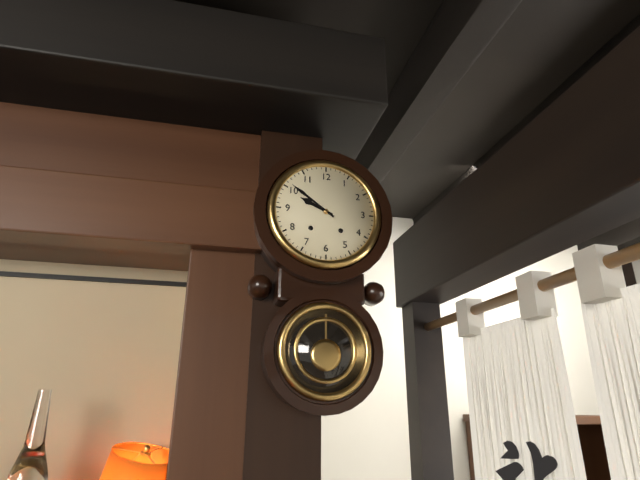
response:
h=9 m=51
